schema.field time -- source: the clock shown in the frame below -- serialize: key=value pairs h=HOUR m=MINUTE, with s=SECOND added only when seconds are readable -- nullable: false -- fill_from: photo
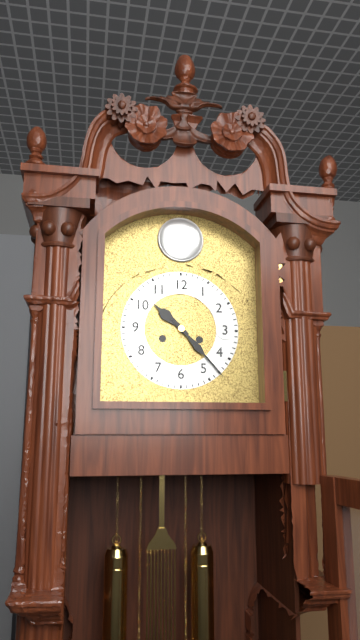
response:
h=10 m=23
